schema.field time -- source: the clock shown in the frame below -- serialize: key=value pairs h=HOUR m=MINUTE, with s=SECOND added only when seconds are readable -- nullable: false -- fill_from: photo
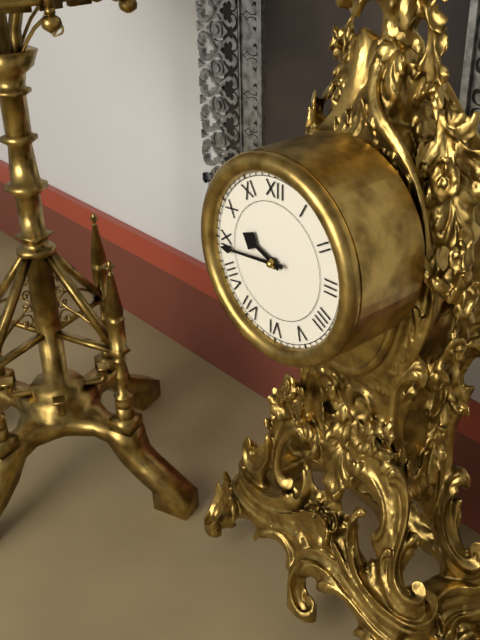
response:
h=9 m=44
